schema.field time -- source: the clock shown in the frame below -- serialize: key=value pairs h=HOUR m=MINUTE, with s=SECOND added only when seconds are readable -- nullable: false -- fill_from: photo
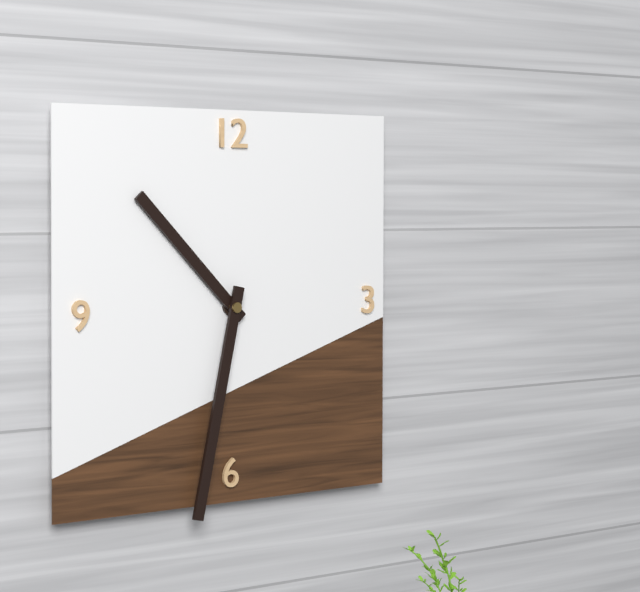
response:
h=10 m=32
